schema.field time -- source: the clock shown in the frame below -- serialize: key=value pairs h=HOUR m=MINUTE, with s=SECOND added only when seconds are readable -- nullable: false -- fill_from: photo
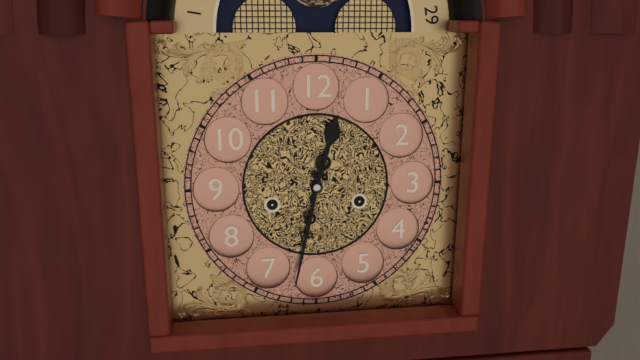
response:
h=12 m=32
